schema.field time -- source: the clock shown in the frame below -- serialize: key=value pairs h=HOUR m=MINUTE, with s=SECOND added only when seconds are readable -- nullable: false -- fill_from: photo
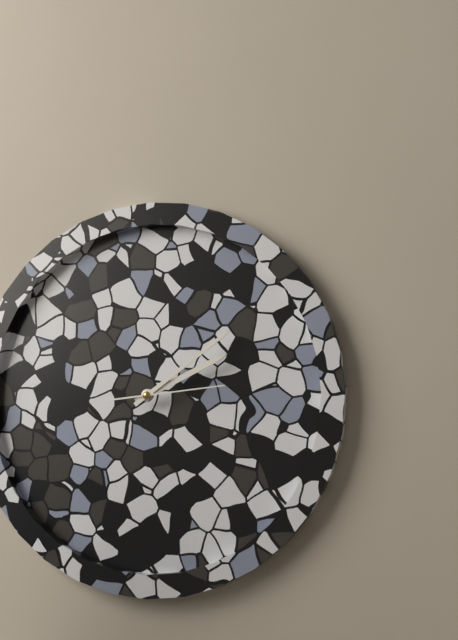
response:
h=2 m=9 s=14
